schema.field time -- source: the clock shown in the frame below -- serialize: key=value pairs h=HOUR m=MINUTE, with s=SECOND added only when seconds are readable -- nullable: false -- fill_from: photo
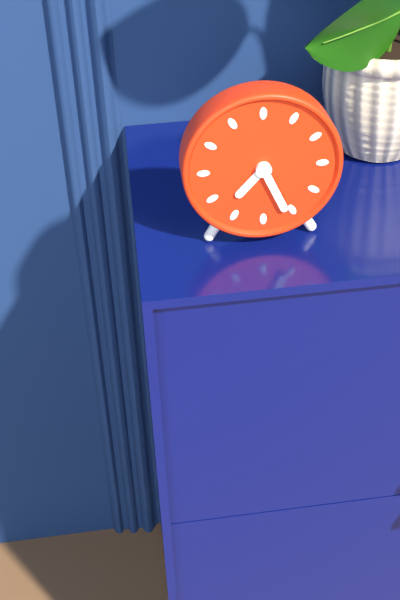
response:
h=7 m=26
